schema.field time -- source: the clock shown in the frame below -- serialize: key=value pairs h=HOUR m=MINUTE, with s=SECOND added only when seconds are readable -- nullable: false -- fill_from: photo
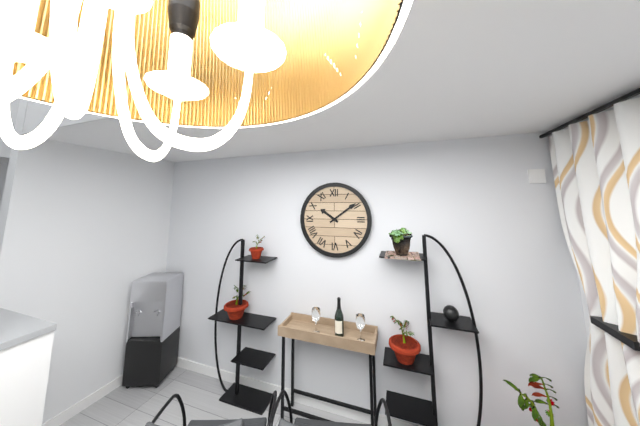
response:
h=10 m=9
